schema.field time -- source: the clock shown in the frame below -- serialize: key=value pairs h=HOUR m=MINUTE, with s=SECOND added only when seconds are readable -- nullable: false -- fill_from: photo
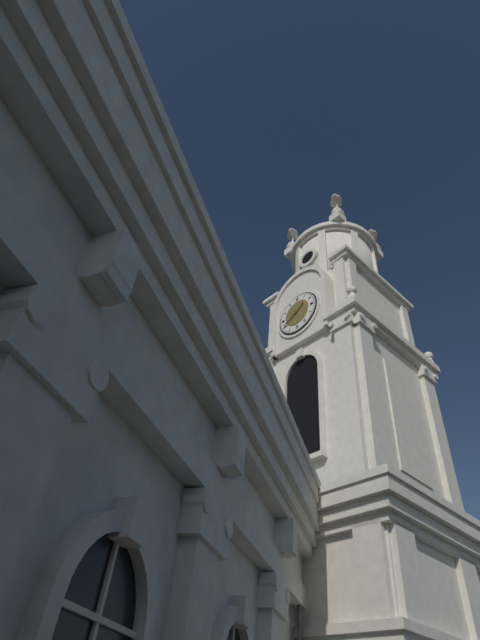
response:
h=1 m=40
